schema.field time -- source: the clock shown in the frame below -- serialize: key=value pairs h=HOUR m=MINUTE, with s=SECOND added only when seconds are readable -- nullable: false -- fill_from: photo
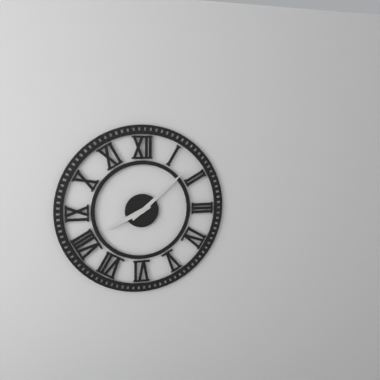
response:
h=8 m=8
